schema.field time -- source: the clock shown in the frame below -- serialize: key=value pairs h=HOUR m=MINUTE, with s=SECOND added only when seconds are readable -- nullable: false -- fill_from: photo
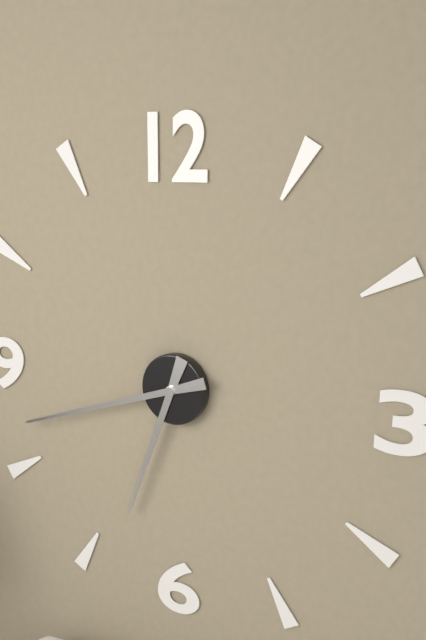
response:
h=6 m=42
